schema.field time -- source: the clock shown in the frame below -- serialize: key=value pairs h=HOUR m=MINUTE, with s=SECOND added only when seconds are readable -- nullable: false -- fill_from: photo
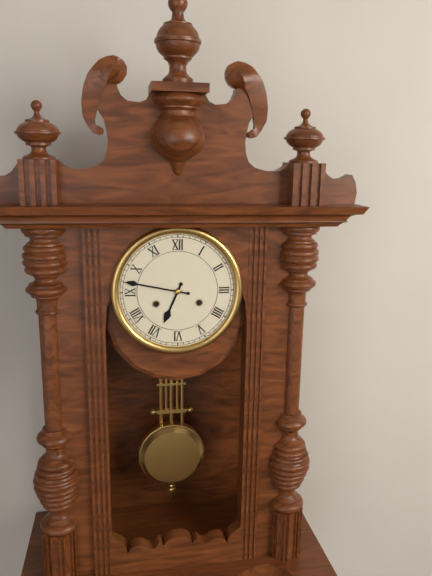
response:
h=6 m=47
